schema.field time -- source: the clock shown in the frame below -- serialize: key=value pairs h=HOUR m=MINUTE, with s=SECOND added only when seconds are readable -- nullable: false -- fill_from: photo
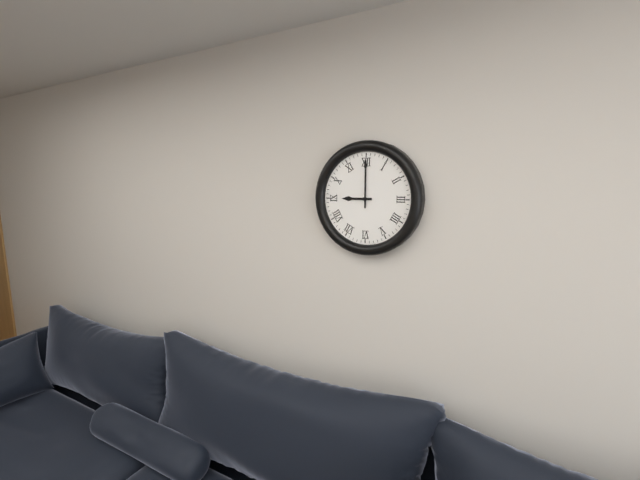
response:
h=9 m=0
